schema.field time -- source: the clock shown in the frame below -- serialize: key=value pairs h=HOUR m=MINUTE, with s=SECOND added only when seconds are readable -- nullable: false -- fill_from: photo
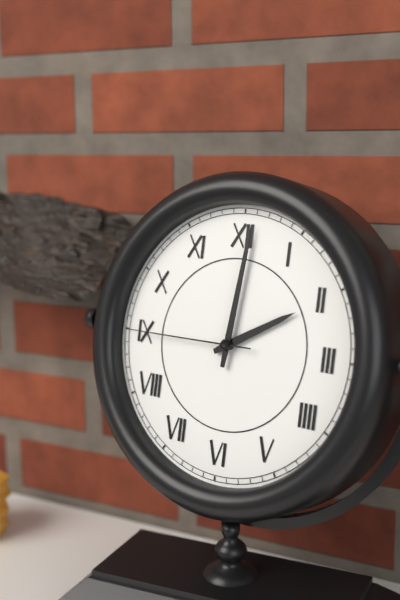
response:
h=2 m=1 s=45
